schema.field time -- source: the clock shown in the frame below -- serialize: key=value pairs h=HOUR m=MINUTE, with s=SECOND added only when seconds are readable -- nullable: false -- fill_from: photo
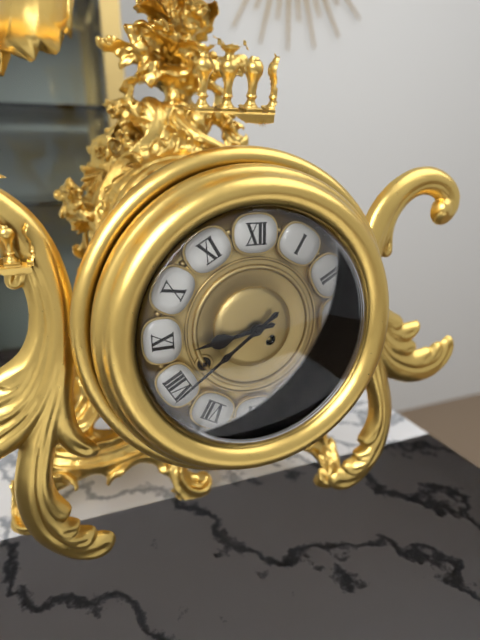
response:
h=8 m=39
